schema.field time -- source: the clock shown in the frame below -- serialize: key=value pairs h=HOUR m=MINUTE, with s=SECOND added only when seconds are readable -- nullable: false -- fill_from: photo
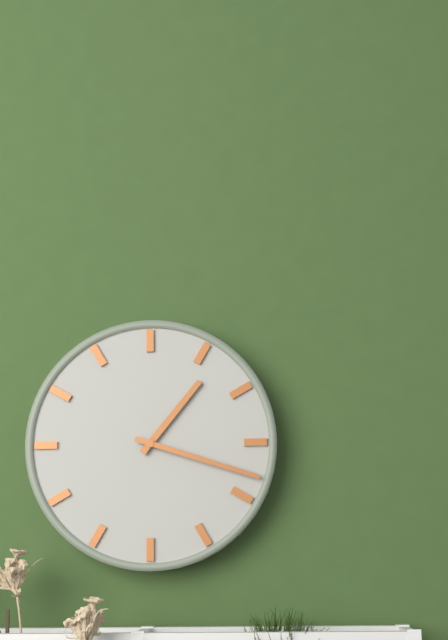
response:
h=1 m=18
